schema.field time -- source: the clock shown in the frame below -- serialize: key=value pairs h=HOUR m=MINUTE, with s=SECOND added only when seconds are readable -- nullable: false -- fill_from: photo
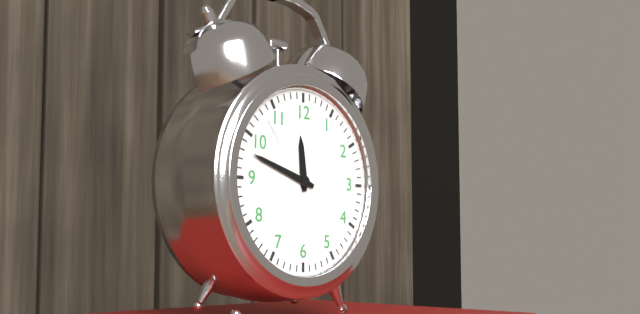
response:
h=11 m=48
